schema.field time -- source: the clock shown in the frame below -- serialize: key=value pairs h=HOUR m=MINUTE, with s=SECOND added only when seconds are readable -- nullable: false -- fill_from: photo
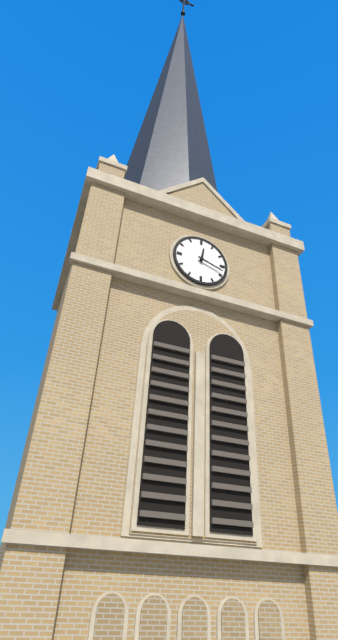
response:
h=12 m=18
